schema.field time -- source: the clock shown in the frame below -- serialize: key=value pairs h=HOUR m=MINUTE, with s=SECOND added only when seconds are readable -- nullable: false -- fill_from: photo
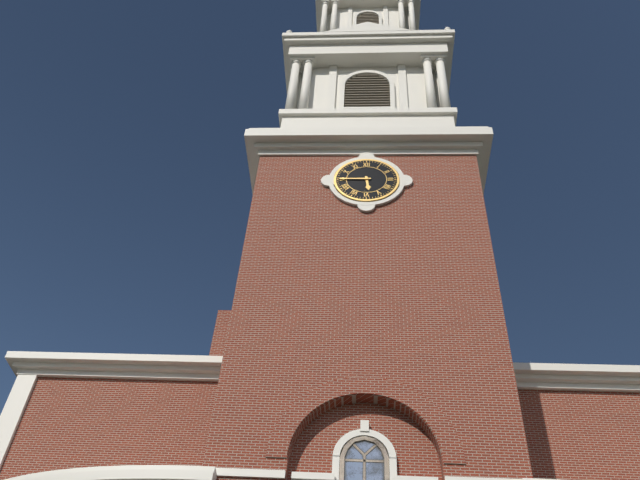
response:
h=5 m=45
